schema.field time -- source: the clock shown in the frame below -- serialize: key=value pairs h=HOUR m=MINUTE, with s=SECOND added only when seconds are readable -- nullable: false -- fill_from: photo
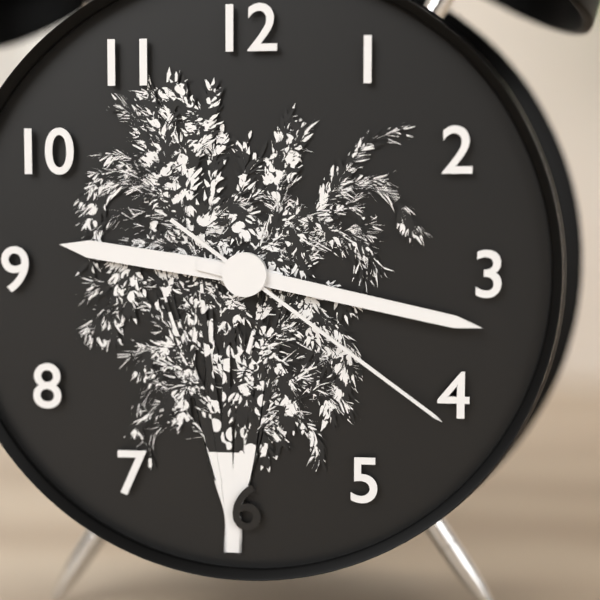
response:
h=9 m=17 s=21
